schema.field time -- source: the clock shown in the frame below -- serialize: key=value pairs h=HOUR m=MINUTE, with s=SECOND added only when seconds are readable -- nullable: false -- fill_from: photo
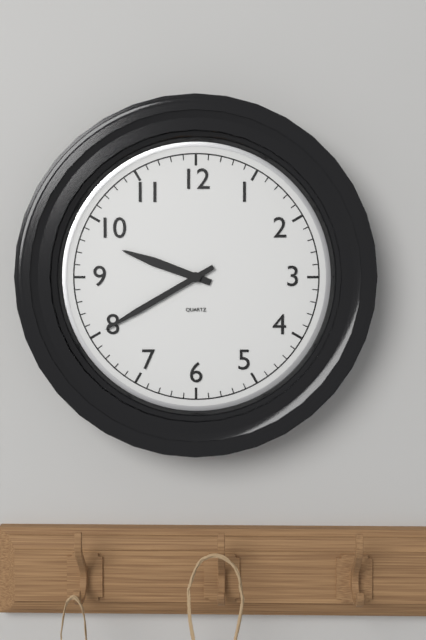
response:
h=9 m=40
